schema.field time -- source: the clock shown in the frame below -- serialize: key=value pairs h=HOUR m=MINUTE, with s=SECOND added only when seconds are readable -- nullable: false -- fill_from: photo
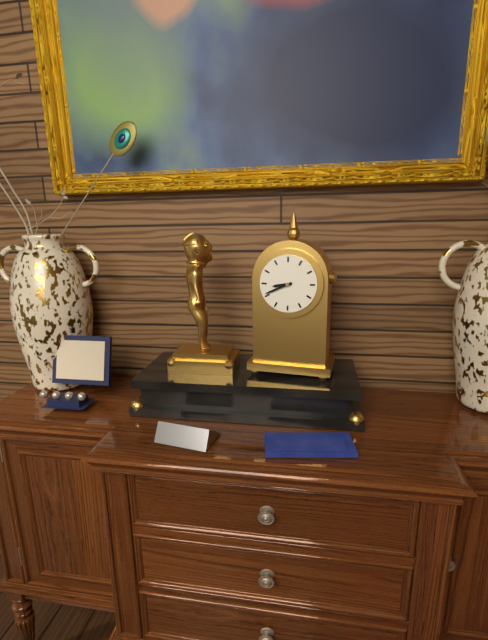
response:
h=8 m=41
